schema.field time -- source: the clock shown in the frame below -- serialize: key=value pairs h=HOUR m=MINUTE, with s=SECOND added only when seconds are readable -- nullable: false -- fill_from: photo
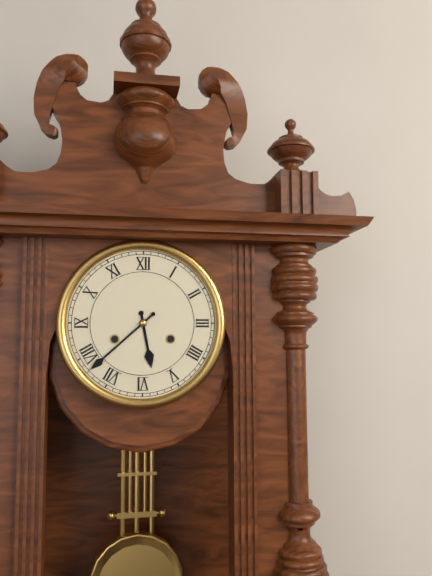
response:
h=5 m=38
